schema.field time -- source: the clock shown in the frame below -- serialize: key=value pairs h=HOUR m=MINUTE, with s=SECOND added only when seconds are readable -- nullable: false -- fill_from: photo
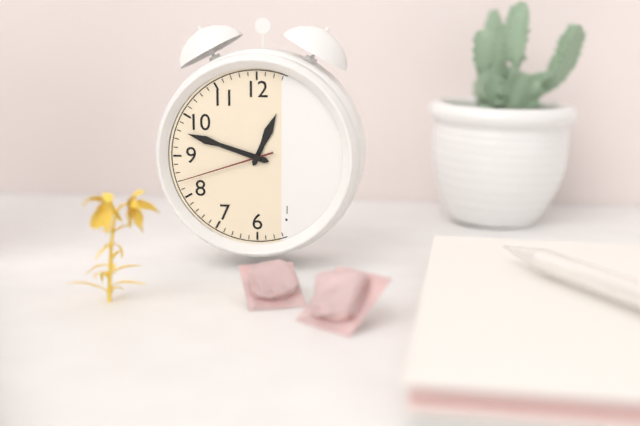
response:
h=12 m=48 s=42
